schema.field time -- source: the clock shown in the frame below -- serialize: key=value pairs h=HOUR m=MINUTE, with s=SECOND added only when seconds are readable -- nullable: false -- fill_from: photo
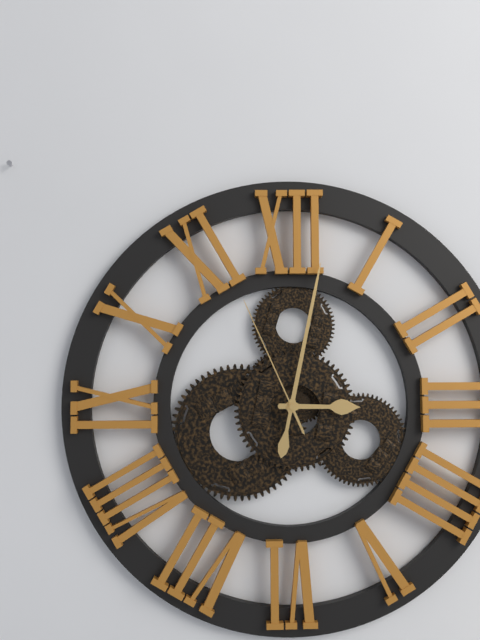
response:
h=3 m=2 s=56
